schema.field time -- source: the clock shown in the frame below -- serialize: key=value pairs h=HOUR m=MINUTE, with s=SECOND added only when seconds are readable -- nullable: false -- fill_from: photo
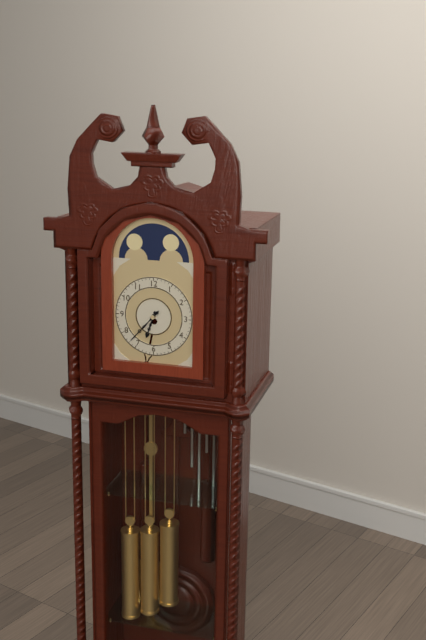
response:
h=6 m=37
